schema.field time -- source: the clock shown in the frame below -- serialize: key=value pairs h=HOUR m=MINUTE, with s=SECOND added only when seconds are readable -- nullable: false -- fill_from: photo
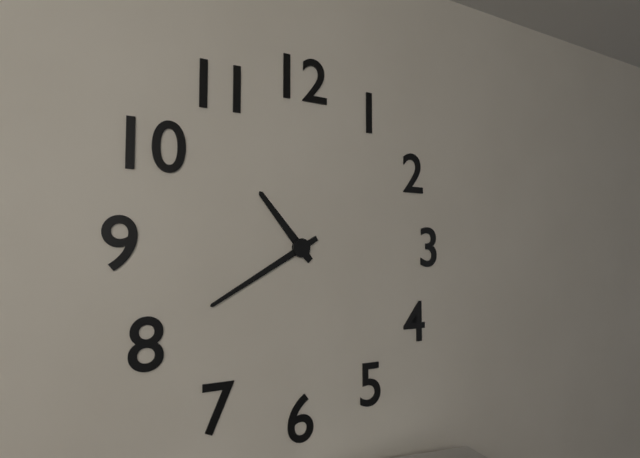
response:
h=10 m=40
